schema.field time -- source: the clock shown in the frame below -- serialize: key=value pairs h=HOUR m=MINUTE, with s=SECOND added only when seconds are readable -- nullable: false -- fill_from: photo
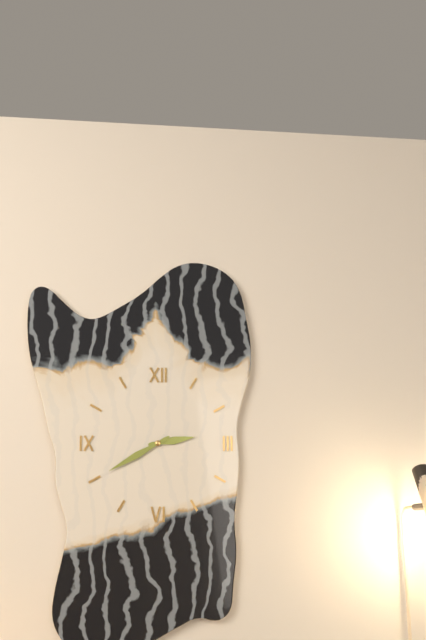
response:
h=2 m=40
